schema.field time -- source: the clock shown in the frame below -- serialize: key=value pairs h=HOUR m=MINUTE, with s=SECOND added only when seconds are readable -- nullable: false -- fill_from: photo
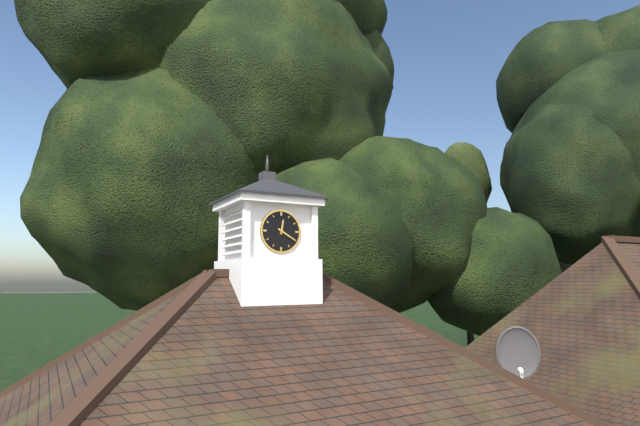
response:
h=12 m=20
